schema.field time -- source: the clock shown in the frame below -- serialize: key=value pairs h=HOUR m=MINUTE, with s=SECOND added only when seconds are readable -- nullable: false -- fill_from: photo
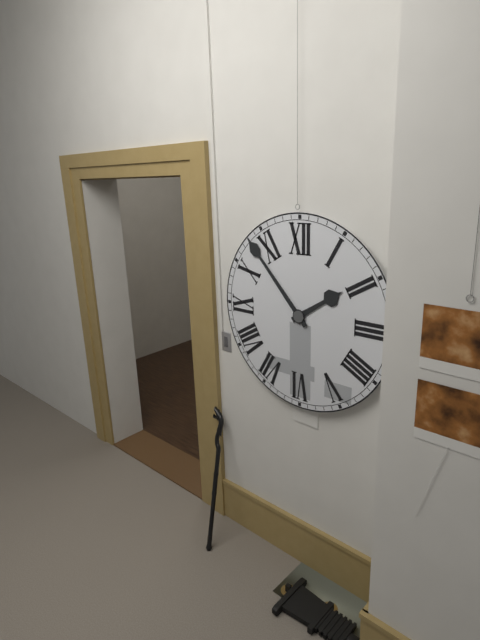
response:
h=1 m=53
